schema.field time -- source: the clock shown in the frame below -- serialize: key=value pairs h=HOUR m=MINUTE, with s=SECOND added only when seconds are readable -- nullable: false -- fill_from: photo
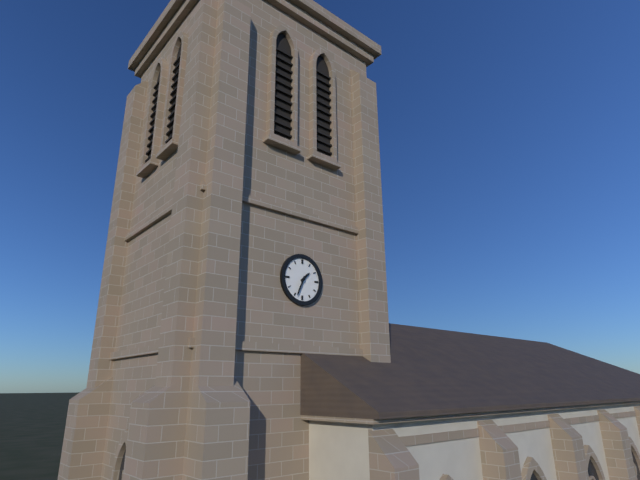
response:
h=1 m=34
